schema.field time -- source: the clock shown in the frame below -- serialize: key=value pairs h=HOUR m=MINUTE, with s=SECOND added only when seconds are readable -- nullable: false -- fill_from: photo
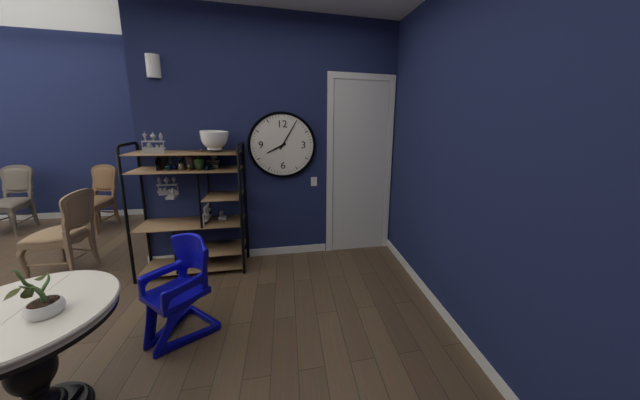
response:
h=8 m=5
